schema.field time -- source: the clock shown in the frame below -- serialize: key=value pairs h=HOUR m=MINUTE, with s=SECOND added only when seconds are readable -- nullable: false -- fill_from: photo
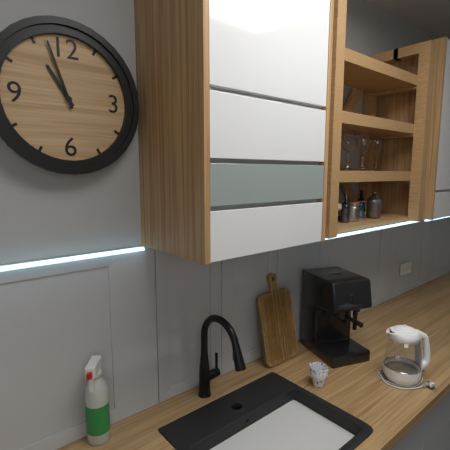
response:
h=10 m=57
